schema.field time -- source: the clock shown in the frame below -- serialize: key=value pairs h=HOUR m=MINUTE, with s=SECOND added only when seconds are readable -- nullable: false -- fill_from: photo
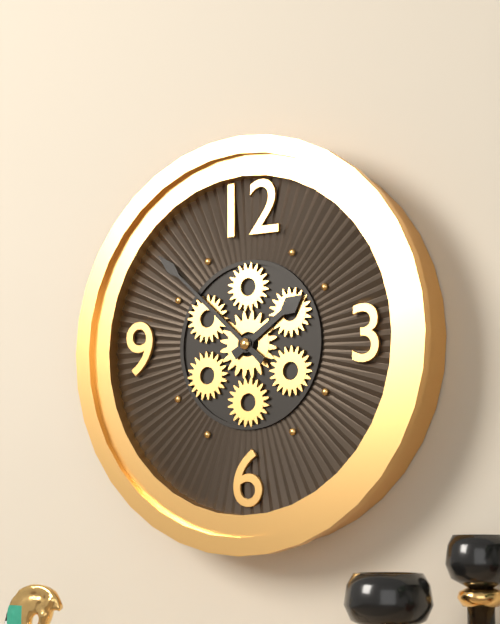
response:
h=1 m=52
